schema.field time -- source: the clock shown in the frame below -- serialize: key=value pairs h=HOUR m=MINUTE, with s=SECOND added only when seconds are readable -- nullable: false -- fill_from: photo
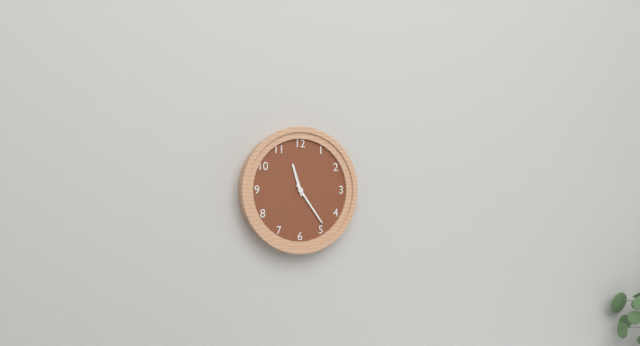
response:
h=11 m=24
